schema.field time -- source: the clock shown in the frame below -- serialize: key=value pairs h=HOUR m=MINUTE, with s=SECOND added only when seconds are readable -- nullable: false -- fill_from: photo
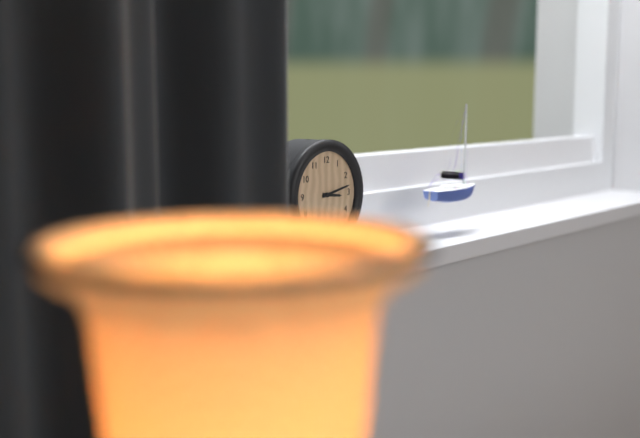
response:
h=3 m=13
